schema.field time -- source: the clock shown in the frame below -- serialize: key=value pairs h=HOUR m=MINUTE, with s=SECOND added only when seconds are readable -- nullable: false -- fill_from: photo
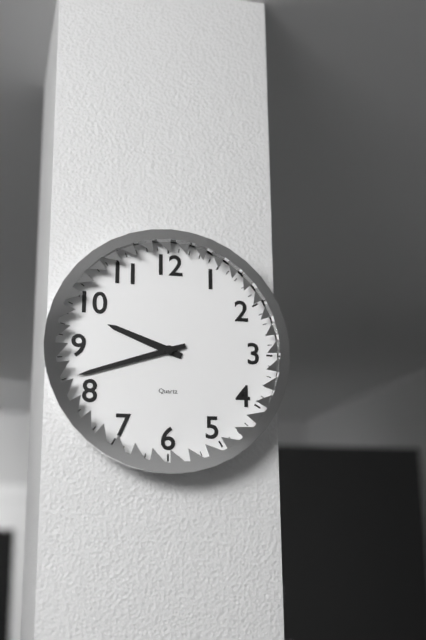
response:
h=9 m=42
